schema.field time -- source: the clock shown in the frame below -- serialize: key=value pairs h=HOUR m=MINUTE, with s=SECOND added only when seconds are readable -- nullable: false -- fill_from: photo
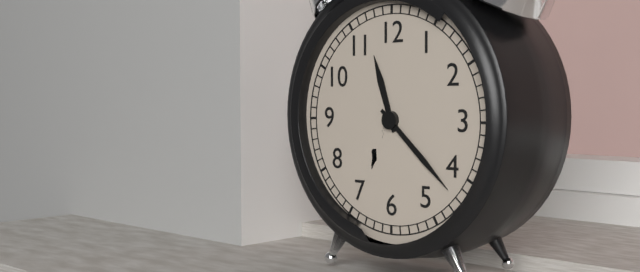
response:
h=11 m=22
